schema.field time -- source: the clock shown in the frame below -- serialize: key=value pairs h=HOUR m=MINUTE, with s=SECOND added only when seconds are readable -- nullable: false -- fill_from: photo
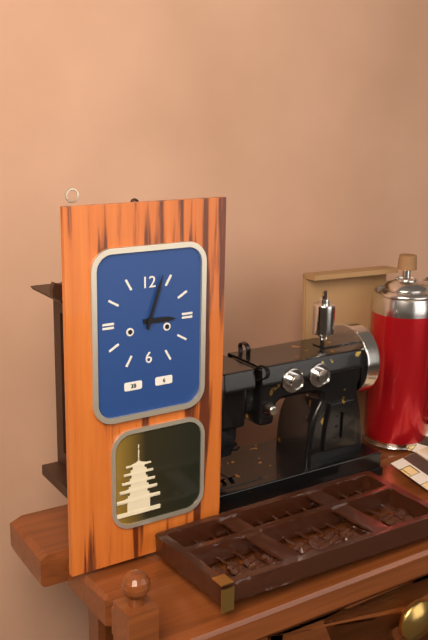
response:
h=3 m=3
